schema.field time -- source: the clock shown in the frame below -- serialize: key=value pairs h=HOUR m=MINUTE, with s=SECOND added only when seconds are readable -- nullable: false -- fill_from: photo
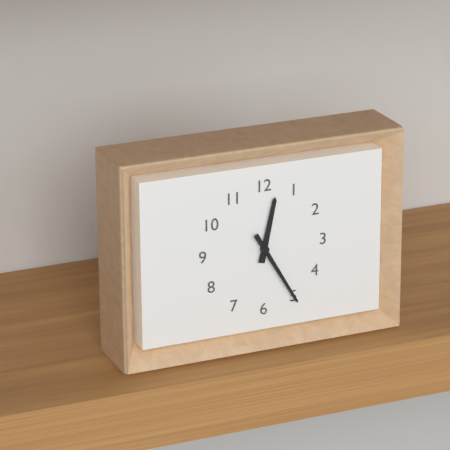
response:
h=12 m=25
